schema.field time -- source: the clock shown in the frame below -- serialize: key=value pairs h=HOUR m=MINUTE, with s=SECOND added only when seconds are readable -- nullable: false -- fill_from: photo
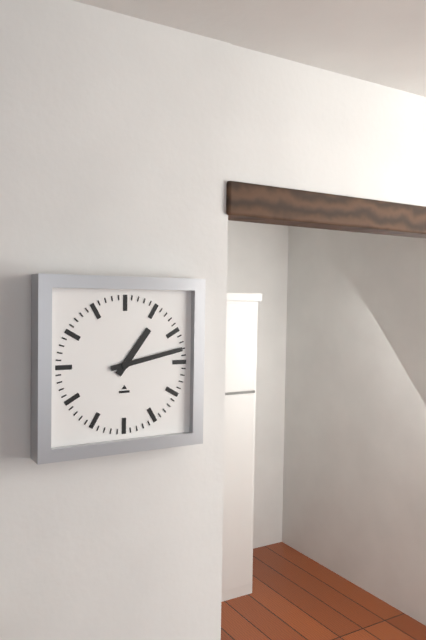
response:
h=1 m=13
